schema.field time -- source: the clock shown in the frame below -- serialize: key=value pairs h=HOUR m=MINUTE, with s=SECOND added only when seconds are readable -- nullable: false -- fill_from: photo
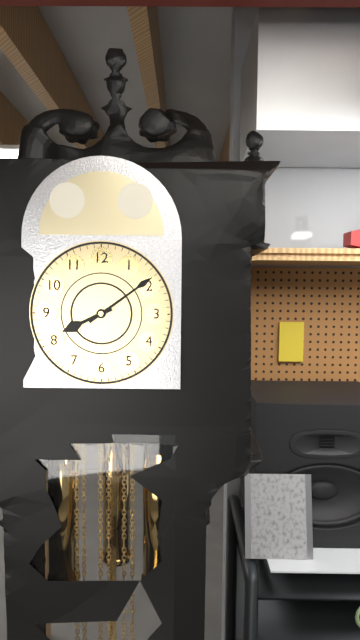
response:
h=8 m=9
